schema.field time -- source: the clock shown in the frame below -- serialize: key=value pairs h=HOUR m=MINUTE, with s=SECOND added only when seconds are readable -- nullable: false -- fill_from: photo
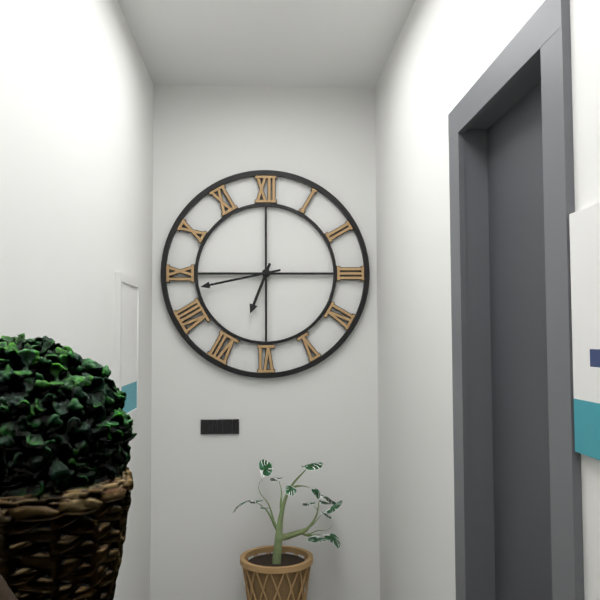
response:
h=6 m=43
